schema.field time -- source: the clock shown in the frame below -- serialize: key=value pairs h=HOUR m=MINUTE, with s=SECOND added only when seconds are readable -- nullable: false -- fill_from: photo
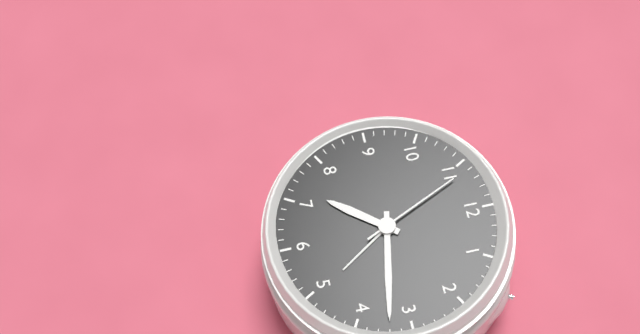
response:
h=7 m=17 s=56
